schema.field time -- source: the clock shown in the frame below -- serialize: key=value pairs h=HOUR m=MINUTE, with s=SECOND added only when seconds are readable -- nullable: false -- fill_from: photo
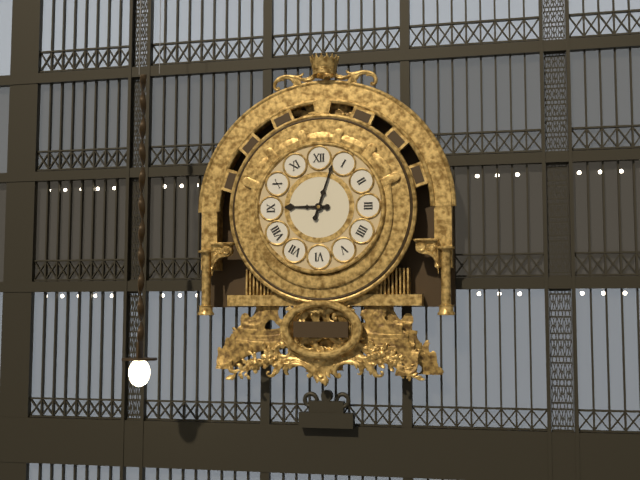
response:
h=9 m=3
